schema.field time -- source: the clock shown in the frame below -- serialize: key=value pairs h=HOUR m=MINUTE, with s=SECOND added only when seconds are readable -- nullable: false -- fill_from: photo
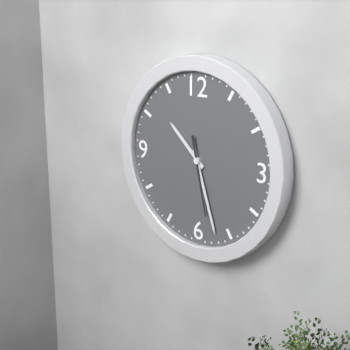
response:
h=10 m=27 s=28
